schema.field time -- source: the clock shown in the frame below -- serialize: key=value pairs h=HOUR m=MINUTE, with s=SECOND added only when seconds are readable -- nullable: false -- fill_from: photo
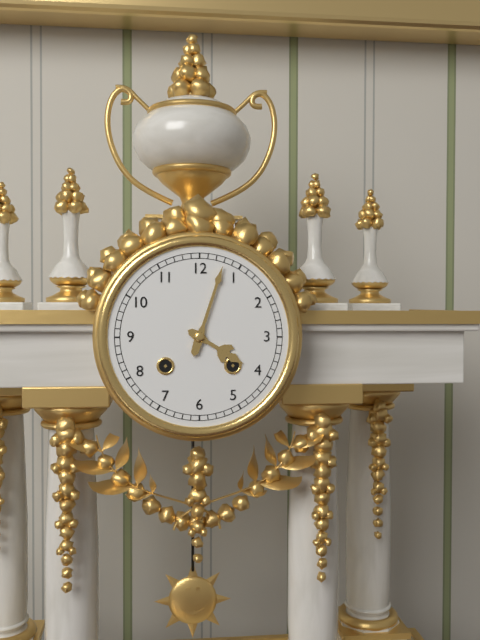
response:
h=4 m=3
